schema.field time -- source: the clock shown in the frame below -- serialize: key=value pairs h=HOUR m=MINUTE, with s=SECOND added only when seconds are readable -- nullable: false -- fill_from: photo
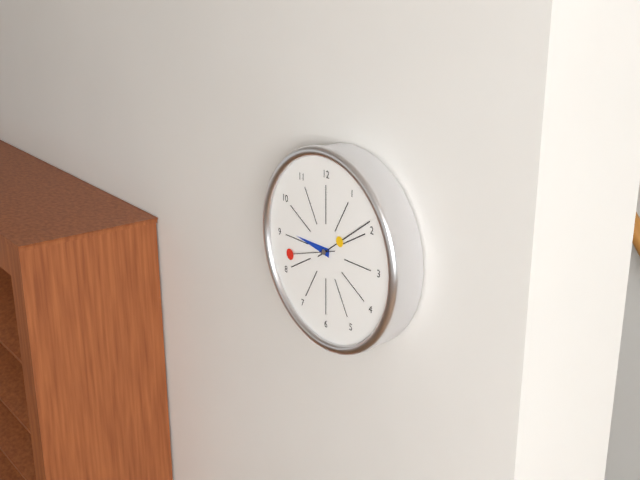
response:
h=9 m=9
